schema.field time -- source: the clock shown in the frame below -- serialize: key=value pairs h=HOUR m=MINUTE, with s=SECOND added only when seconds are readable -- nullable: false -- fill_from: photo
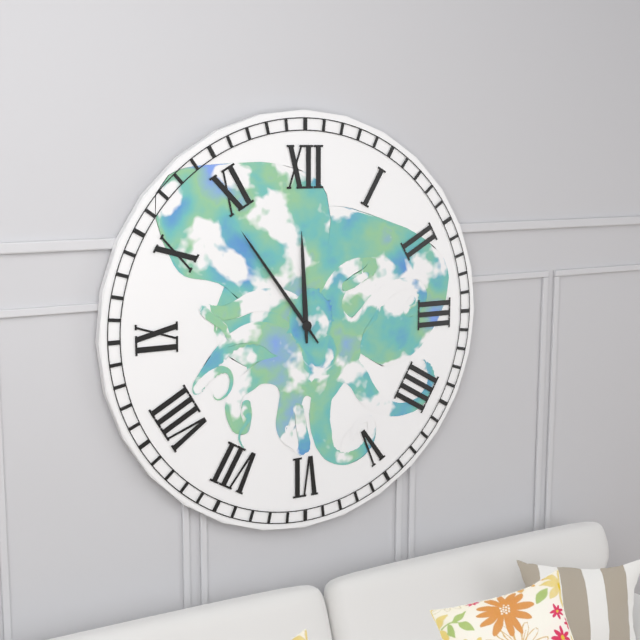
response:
h=11 m=54
